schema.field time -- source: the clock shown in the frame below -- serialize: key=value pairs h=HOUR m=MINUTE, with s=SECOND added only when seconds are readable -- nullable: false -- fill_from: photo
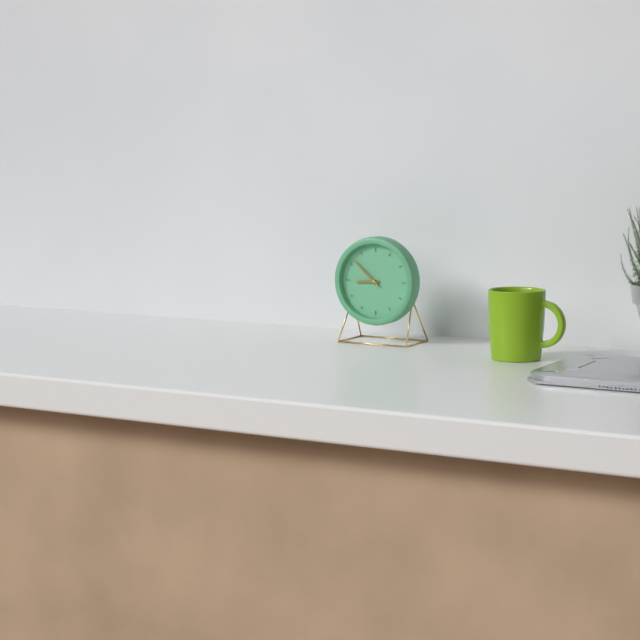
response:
h=8 m=52
